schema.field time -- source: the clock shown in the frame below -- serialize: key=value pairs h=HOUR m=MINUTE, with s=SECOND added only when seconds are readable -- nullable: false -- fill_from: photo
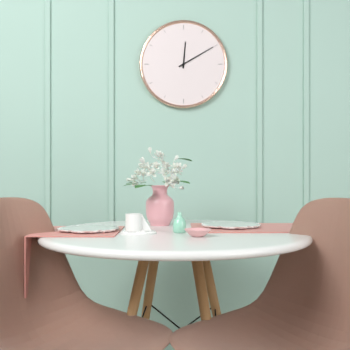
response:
h=12 m=10
